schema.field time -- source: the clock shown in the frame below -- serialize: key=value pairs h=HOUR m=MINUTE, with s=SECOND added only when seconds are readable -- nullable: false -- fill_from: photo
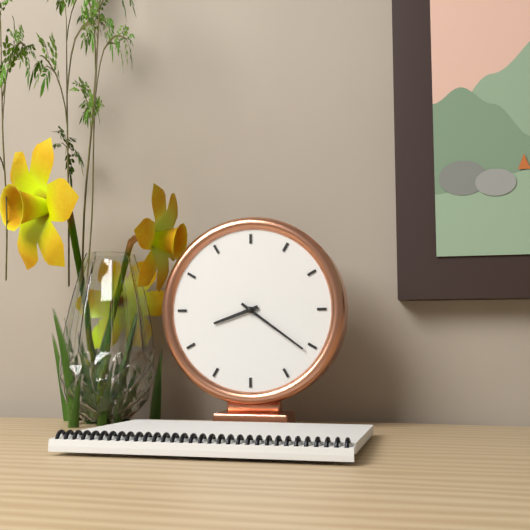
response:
h=8 m=21
